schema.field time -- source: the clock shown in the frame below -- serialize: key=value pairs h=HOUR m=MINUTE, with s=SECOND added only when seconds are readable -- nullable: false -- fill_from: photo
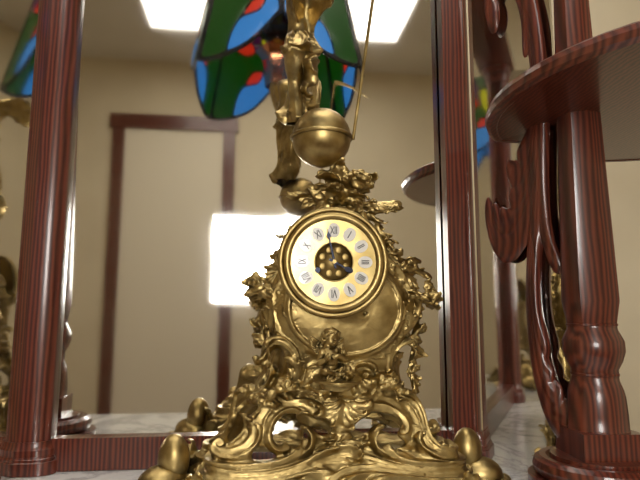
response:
h=3 m=58
